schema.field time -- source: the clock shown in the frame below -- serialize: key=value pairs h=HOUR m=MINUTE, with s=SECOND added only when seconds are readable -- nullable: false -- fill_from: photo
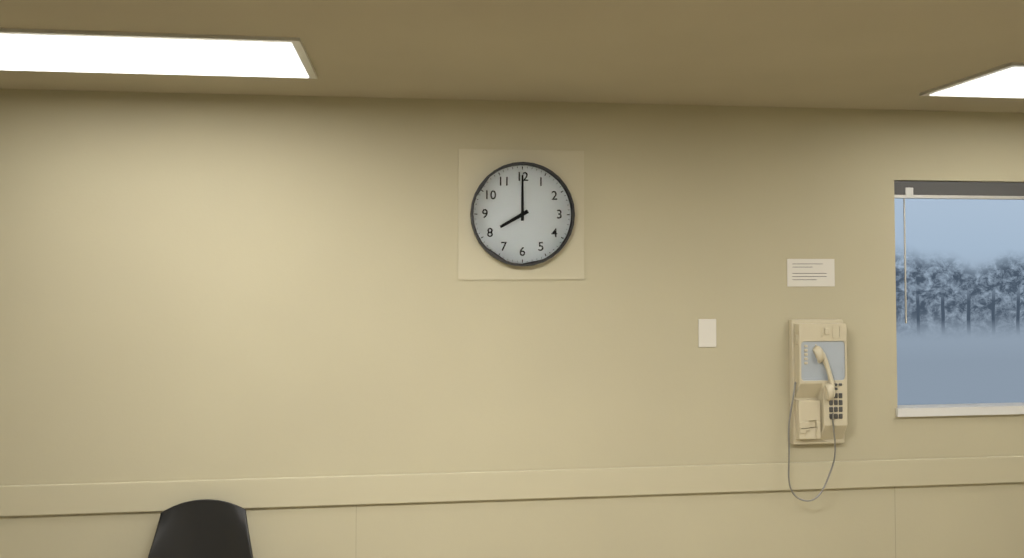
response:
h=8 m=0
